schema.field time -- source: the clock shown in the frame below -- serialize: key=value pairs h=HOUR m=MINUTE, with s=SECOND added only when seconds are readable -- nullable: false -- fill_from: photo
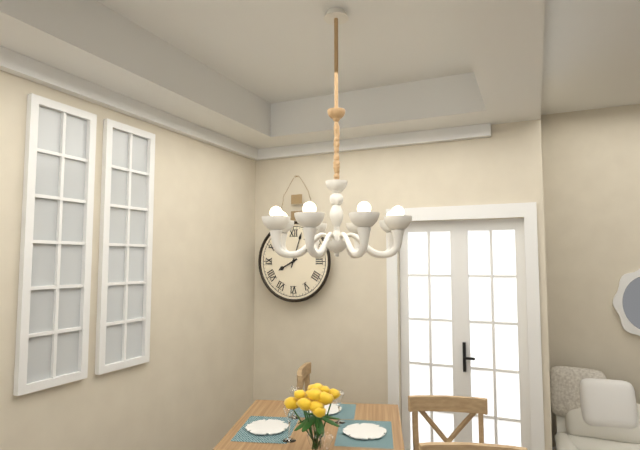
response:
h=8 m=3
